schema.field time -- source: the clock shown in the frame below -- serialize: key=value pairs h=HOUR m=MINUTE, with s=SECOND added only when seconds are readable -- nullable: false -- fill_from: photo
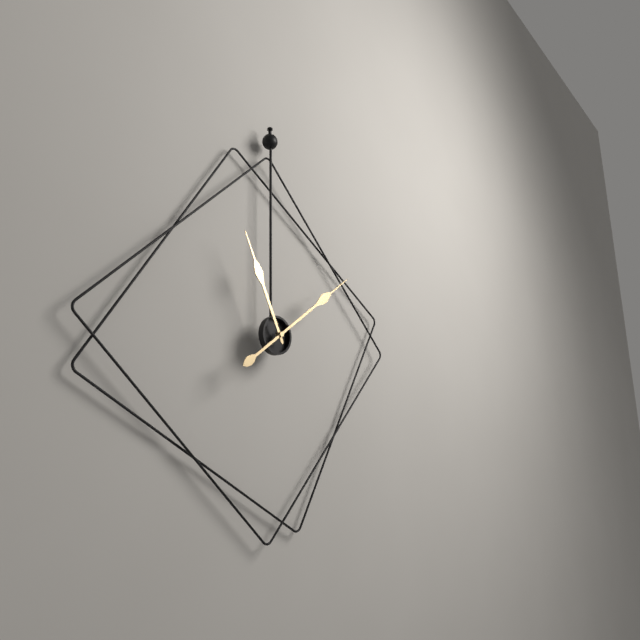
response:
h=11 m=9
